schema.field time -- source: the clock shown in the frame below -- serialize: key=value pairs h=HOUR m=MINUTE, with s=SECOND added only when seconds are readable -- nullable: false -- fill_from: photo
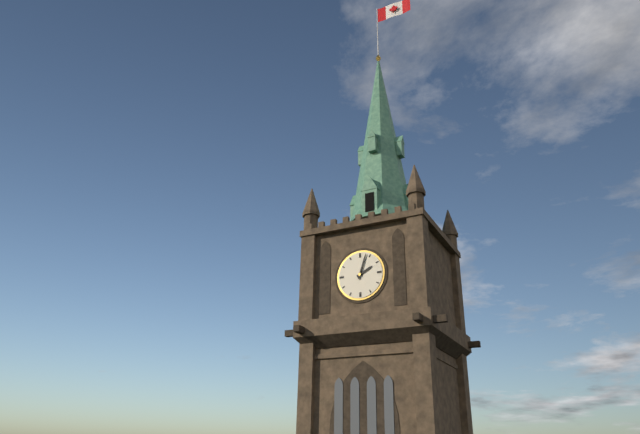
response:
h=2 m=3
